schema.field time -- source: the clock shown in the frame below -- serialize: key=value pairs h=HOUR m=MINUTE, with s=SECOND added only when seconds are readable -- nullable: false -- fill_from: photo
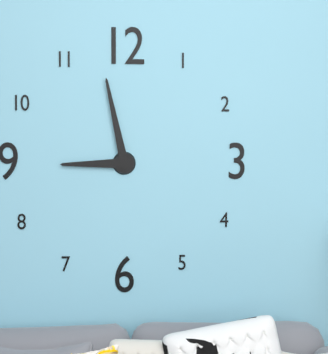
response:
h=8 m=58
